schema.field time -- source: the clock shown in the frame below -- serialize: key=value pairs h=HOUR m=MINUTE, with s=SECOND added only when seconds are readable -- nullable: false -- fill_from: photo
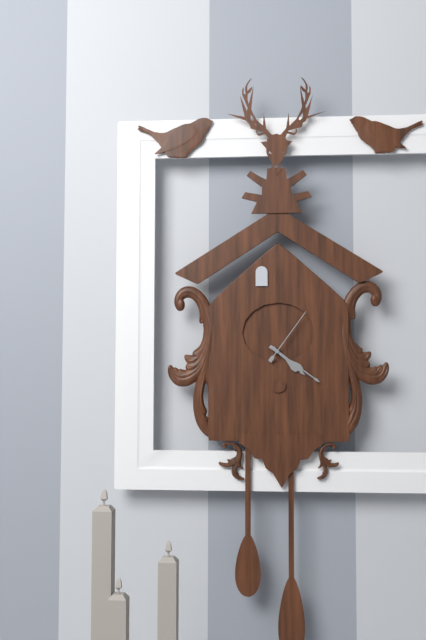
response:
h=4 m=21 s=6
